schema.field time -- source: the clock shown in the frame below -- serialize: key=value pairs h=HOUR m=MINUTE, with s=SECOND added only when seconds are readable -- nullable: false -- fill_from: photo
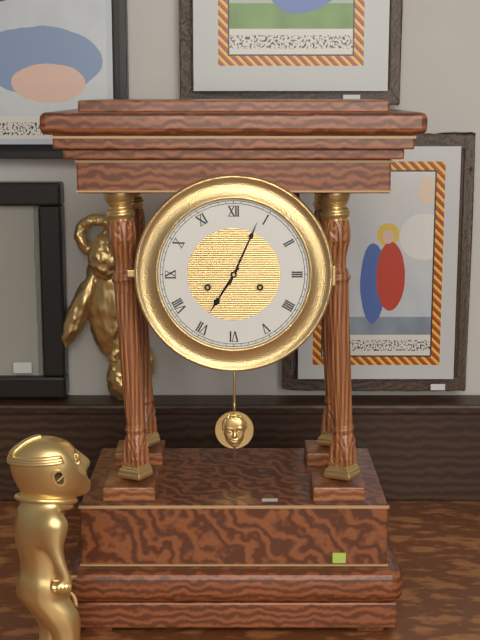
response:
h=7 m=4
